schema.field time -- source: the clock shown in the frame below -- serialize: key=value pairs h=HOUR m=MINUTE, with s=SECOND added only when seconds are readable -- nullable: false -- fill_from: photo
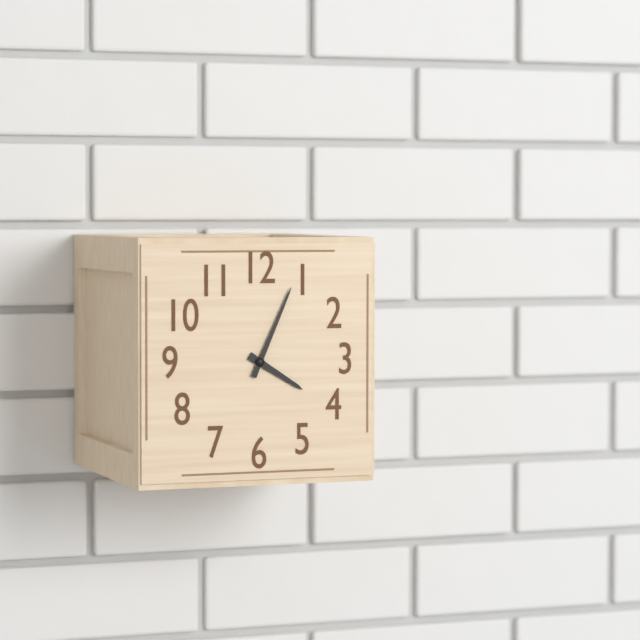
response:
h=4 m=4
